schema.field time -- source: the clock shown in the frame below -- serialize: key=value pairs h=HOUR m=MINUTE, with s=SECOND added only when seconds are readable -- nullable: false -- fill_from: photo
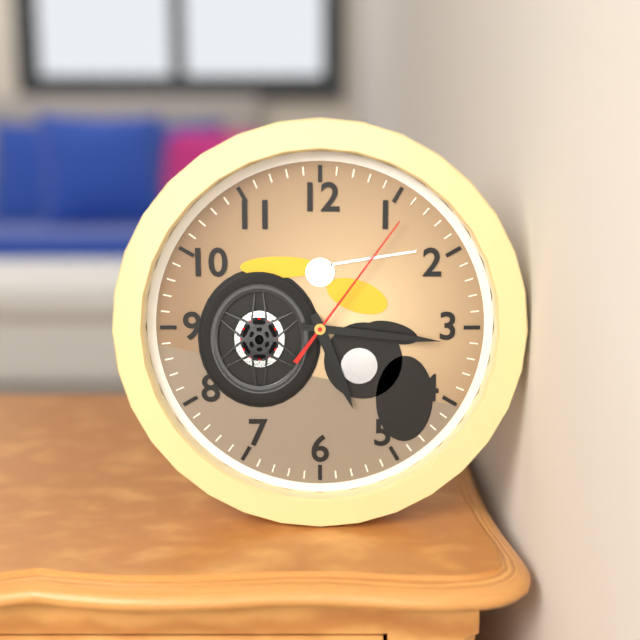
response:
h=5 m=16 s=6
